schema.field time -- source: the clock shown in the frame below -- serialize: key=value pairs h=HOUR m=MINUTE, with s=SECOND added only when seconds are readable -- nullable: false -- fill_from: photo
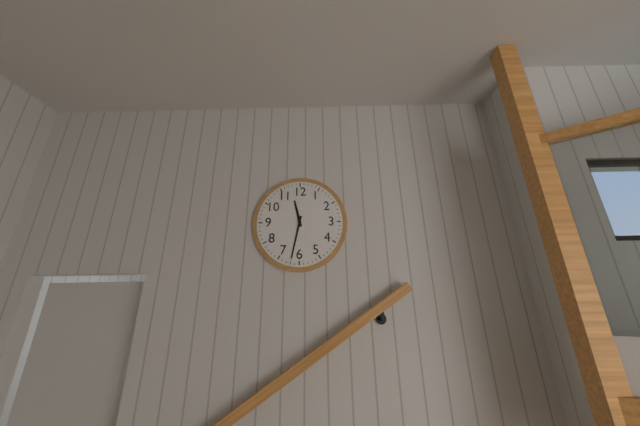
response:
h=11 m=32
